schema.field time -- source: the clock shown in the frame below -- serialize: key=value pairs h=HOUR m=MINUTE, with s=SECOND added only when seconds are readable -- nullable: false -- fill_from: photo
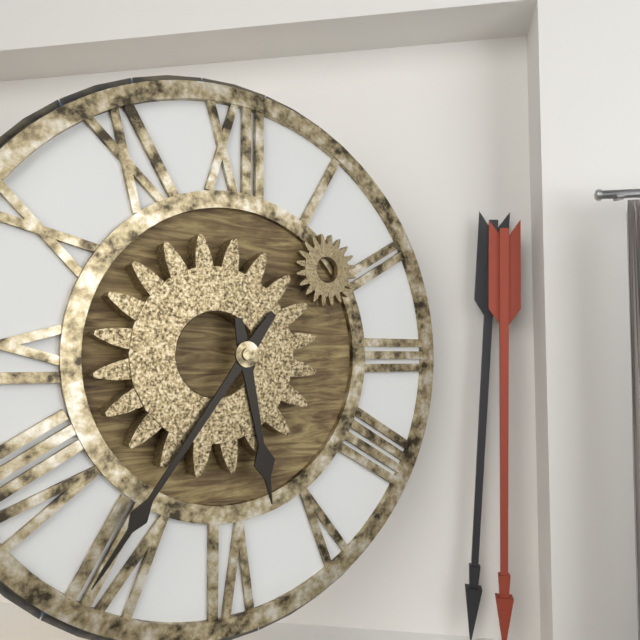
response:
h=5 m=36
